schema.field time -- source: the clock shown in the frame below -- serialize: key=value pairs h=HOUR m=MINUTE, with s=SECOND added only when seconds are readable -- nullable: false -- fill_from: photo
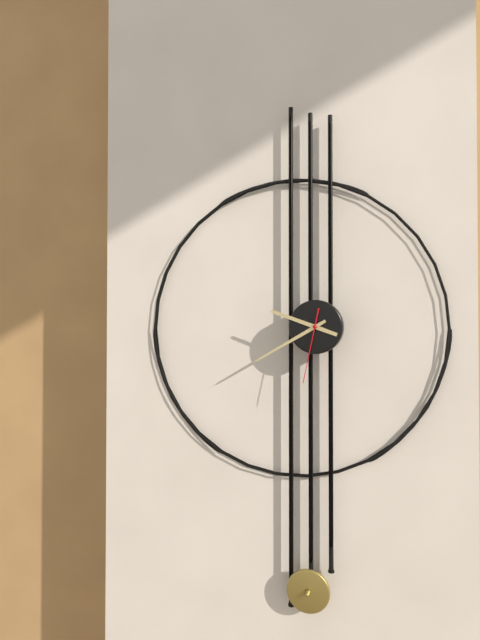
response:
h=9 m=40 s=32
